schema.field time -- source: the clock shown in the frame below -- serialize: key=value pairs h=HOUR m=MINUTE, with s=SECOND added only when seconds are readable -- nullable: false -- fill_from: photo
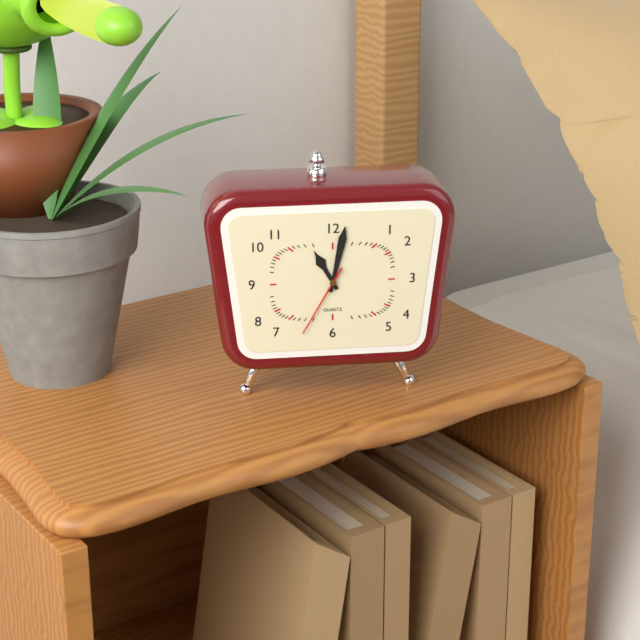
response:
h=11 m=2 s=35
